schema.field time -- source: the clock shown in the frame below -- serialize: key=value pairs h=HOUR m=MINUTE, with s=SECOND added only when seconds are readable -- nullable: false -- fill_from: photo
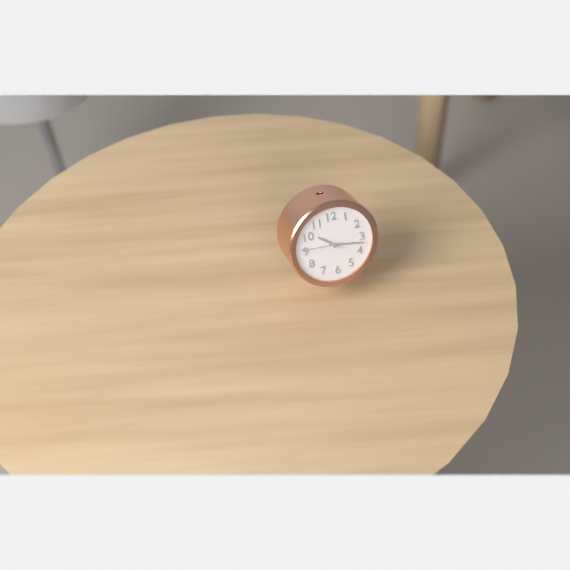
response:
h=10 m=17
